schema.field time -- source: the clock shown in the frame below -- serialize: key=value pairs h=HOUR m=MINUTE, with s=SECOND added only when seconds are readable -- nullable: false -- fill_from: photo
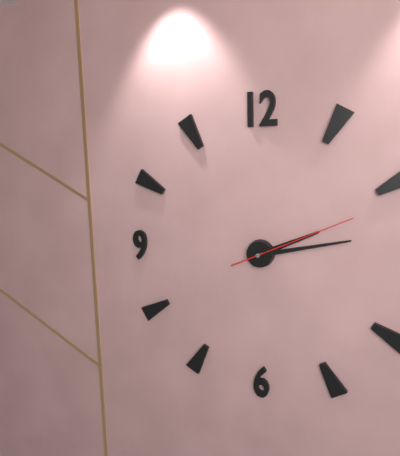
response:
h=2 m=13 s=11
